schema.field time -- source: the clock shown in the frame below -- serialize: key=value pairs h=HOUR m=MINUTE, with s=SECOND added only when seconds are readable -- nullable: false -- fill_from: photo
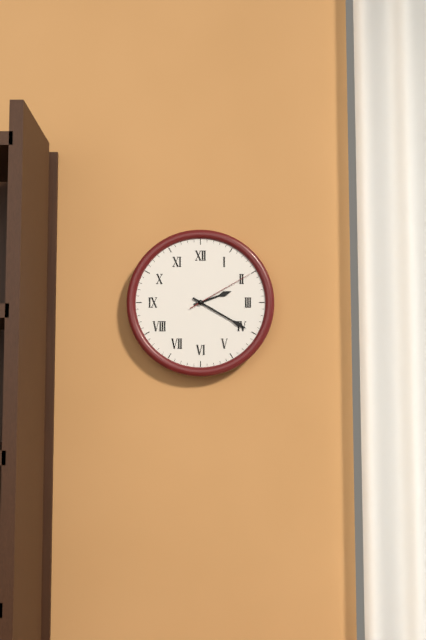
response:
h=2 m=20 s=10
